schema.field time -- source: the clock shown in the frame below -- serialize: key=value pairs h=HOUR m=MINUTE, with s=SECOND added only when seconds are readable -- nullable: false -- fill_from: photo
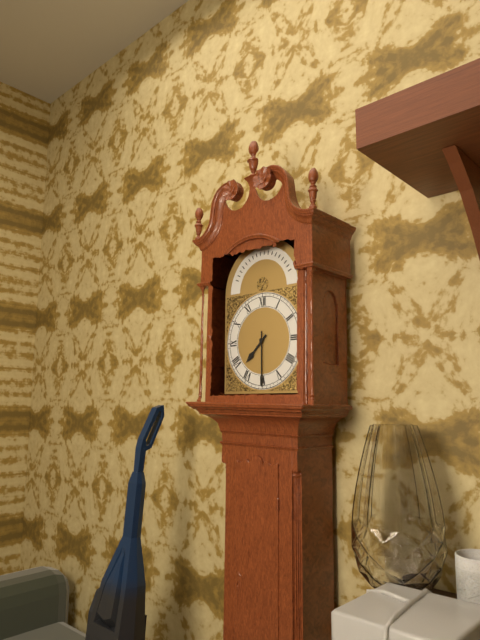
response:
h=7 m=30
